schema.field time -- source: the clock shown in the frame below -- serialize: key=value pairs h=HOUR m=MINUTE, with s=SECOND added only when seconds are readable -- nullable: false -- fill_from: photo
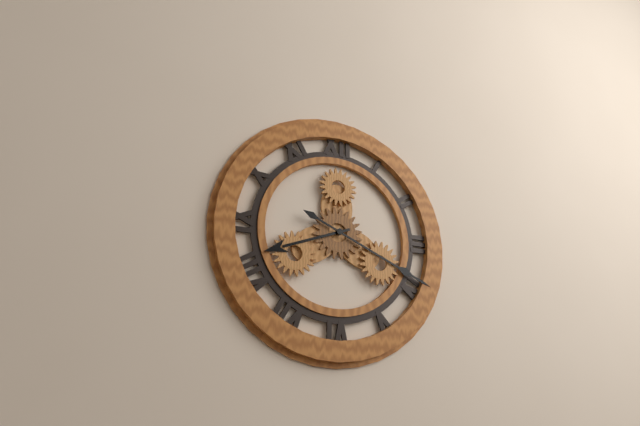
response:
h=8 m=19
